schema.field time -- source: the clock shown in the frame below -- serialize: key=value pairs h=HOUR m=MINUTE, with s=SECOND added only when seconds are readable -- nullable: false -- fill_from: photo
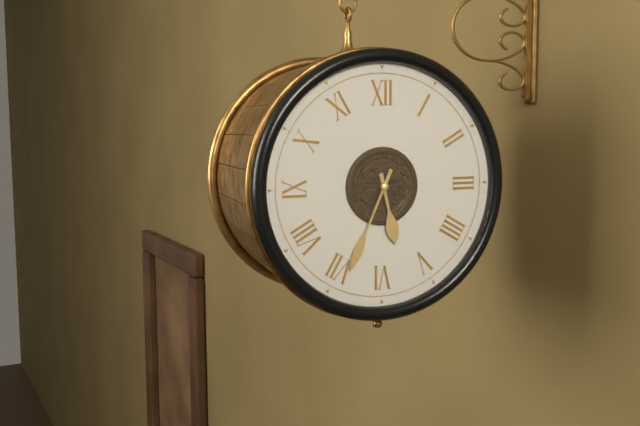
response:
h=5 m=34
